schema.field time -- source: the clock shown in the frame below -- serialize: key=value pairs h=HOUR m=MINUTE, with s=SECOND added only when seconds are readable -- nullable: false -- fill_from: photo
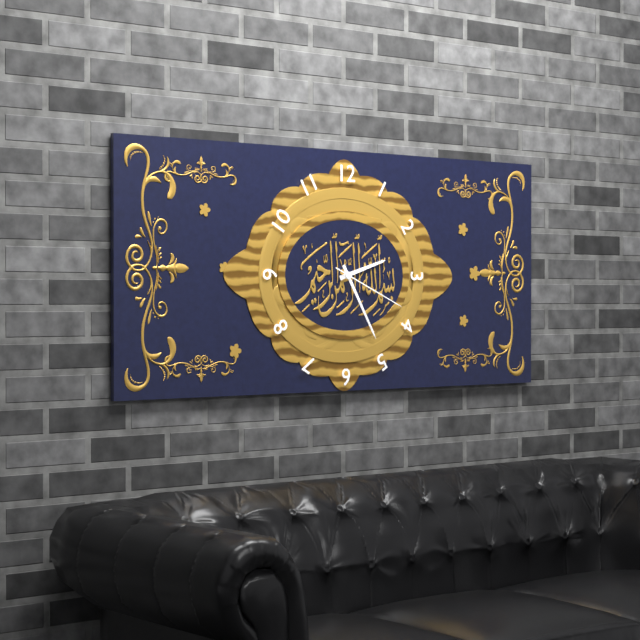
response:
h=2 m=25 s=19
